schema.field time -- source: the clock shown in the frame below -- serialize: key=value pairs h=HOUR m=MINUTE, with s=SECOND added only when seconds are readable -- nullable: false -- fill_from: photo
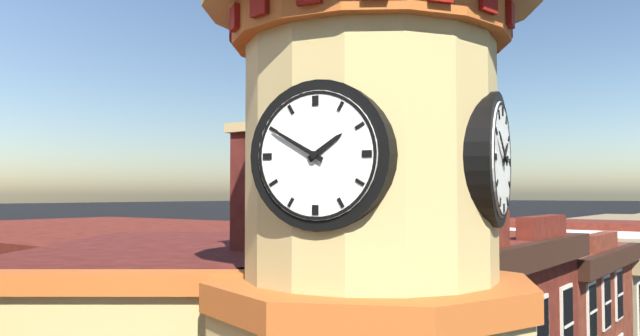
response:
h=1 m=50
